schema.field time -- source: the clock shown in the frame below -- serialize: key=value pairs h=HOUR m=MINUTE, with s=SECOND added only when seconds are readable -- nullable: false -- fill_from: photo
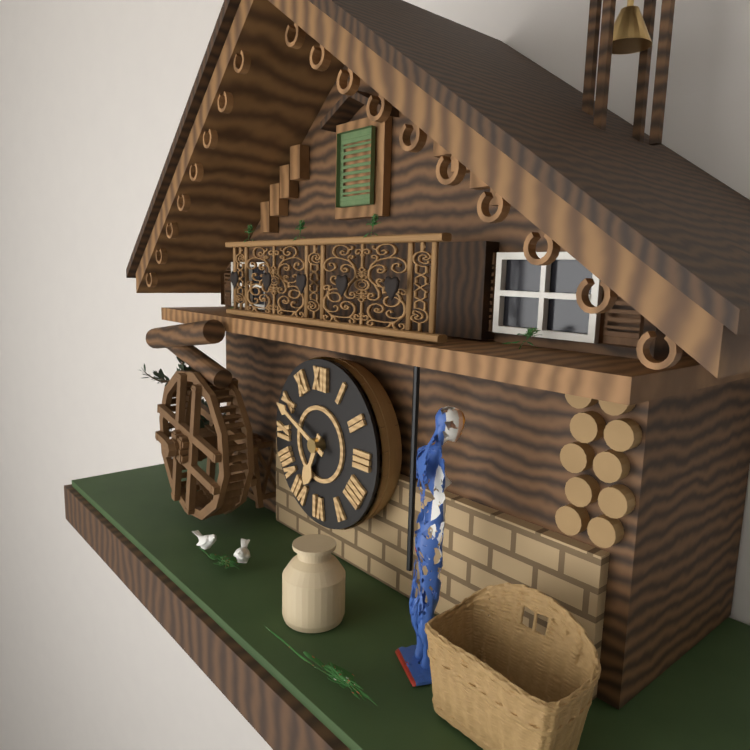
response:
h=6 m=49
